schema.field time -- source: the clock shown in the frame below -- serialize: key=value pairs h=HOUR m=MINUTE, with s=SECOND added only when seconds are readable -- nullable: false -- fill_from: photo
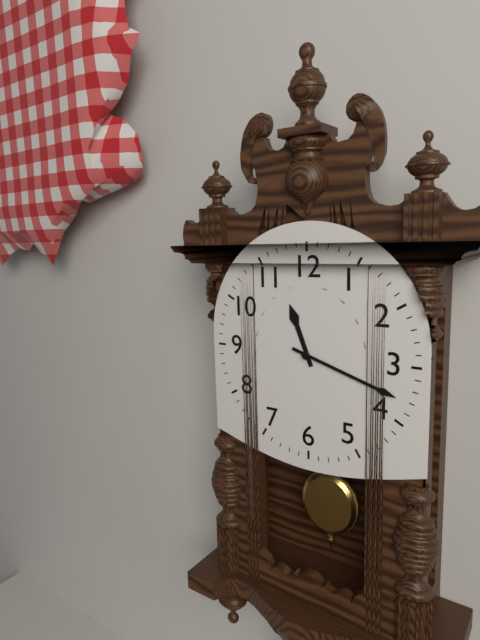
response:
h=11 m=18
